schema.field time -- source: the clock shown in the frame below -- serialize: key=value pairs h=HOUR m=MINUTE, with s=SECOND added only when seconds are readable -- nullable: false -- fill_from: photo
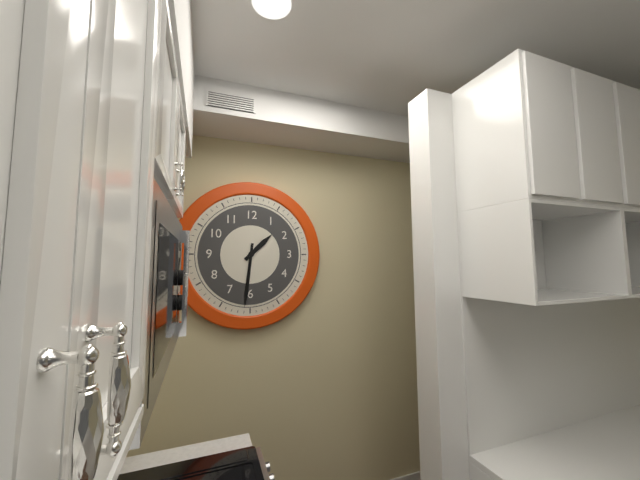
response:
h=1 m=31
